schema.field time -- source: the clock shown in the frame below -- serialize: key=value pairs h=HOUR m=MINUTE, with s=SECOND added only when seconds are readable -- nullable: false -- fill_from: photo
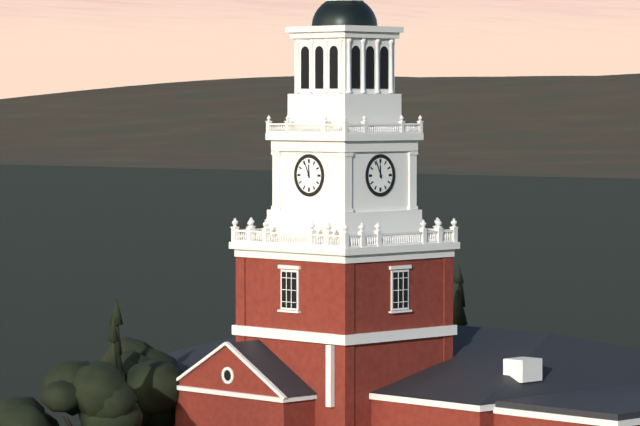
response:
h=11 m=56
